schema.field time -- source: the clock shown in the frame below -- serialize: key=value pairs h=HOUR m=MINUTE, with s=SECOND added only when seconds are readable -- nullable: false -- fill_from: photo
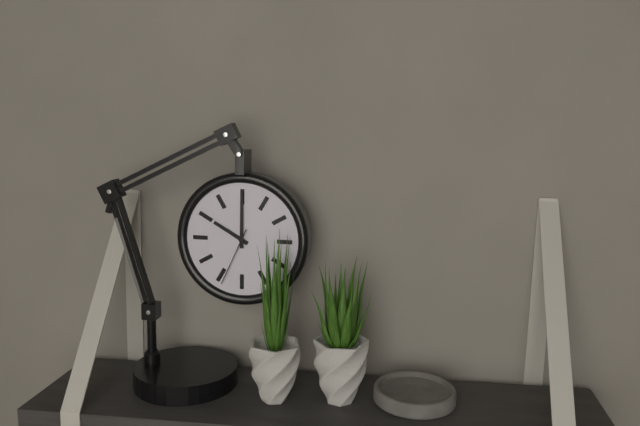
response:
h=10 m=0 s=34
